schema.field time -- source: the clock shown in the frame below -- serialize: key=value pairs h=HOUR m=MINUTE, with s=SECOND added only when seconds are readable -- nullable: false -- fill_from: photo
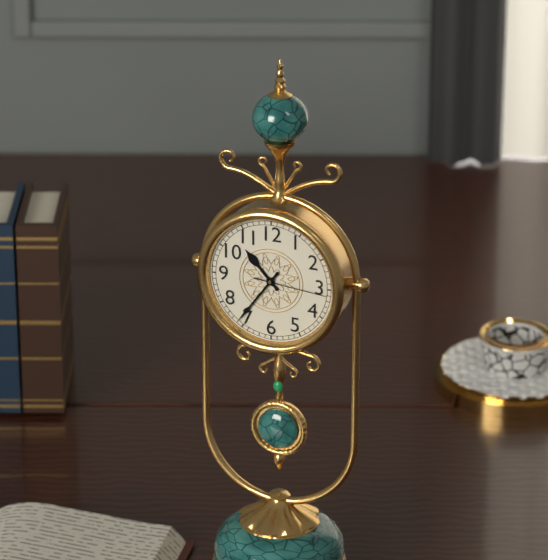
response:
h=10 m=36 s=16
